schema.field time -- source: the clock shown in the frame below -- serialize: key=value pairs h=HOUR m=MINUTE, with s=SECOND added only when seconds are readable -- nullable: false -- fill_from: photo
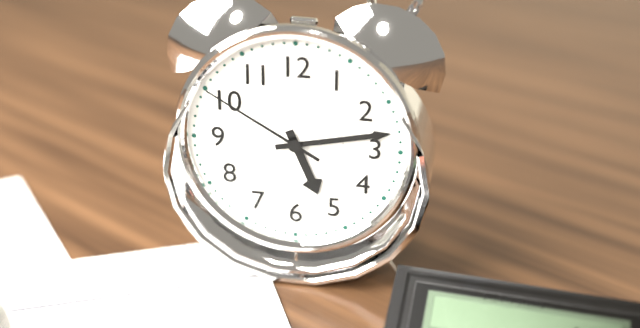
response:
h=5 m=13 s=50
